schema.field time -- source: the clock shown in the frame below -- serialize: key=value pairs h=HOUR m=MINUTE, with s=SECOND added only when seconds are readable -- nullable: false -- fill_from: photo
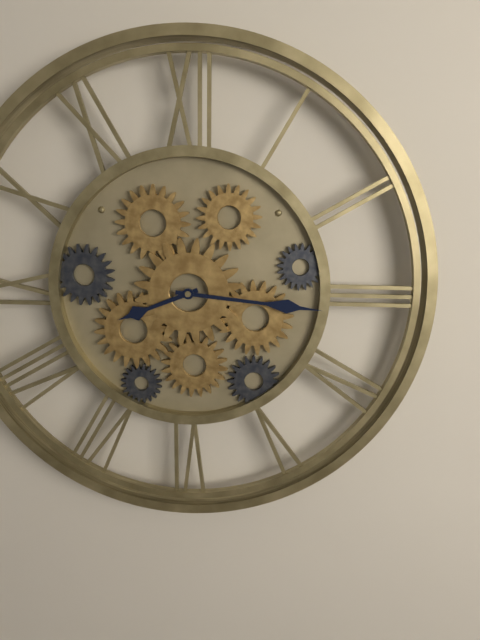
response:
h=8 m=16
